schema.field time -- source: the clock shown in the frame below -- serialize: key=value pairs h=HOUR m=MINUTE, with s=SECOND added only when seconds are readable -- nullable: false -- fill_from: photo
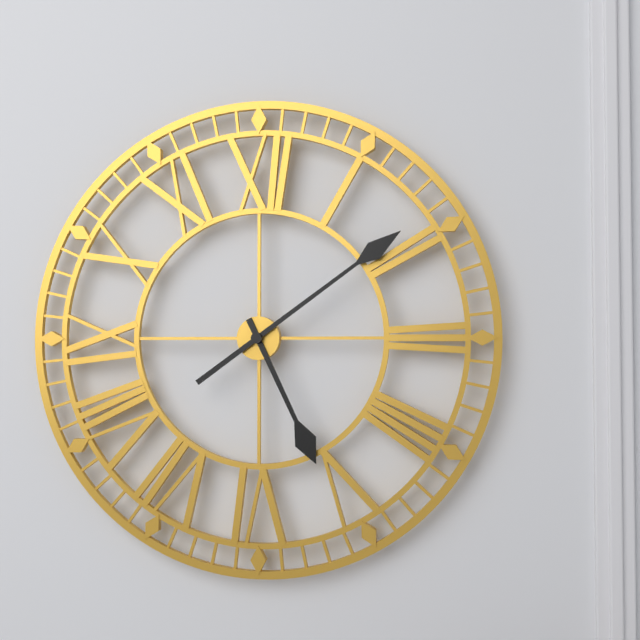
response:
h=5 m=9
